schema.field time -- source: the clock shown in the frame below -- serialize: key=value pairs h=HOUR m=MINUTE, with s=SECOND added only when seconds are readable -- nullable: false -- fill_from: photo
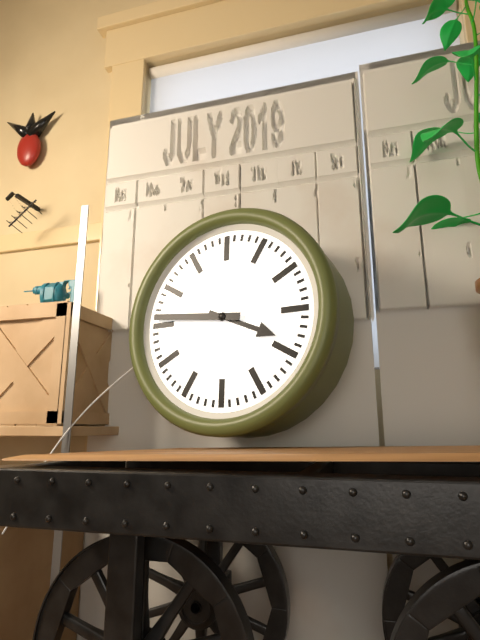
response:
h=3 m=46
